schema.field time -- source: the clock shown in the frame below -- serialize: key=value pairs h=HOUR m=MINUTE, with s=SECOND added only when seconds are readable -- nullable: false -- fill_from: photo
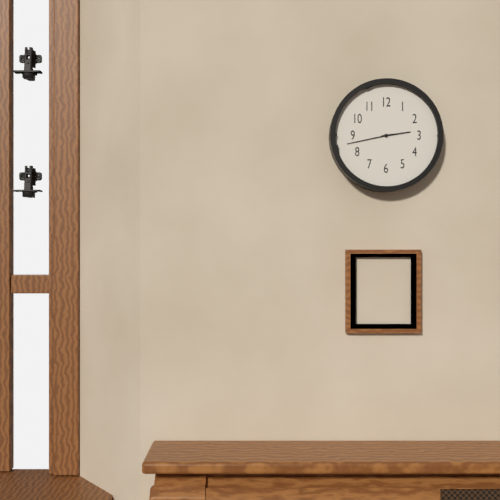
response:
h=2 m=43
